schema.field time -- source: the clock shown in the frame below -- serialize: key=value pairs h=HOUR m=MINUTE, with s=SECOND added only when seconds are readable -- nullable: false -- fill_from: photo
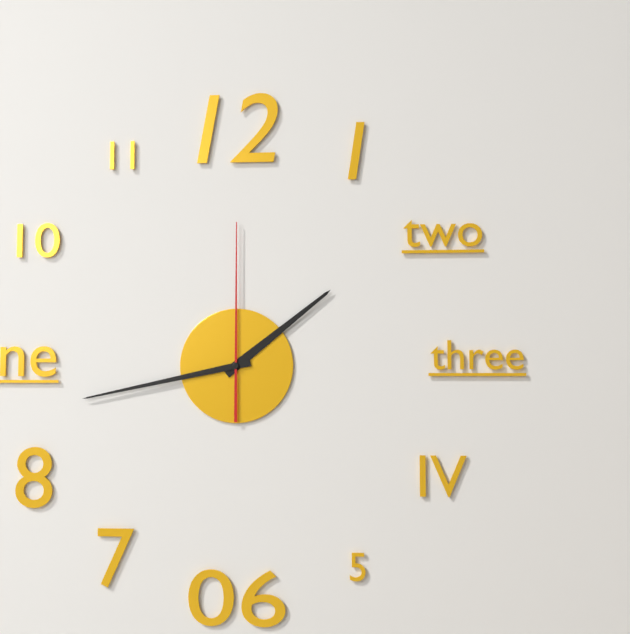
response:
h=1 m=43 s=0
